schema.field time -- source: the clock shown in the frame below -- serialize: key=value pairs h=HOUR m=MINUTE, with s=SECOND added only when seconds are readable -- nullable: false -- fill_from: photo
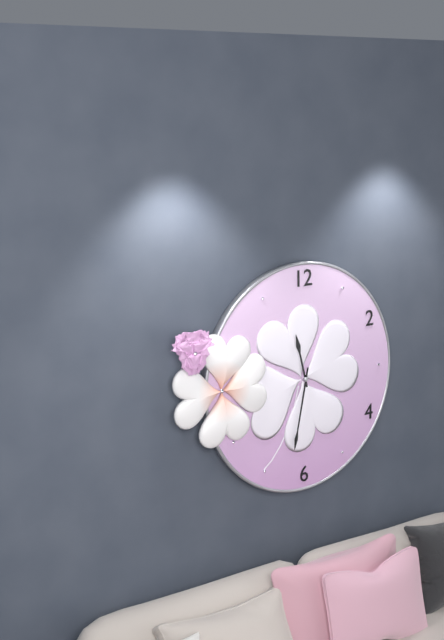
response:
h=11 m=32
